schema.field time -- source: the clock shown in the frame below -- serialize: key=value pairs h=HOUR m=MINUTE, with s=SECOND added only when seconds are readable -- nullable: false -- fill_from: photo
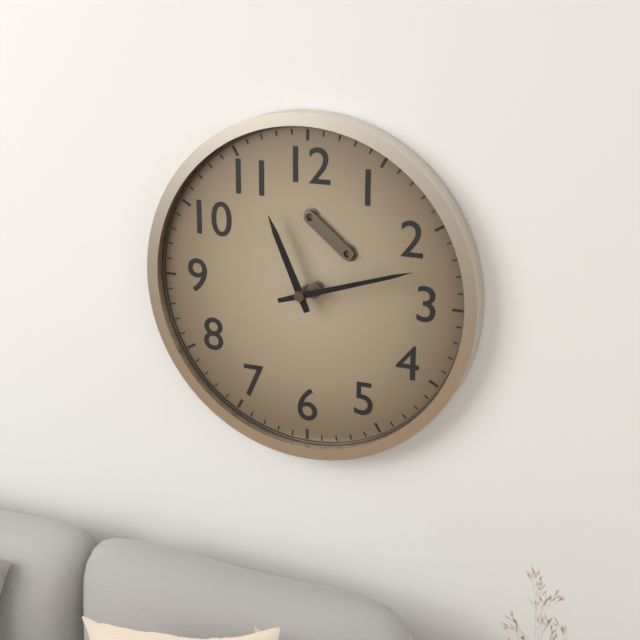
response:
h=11 m=12
